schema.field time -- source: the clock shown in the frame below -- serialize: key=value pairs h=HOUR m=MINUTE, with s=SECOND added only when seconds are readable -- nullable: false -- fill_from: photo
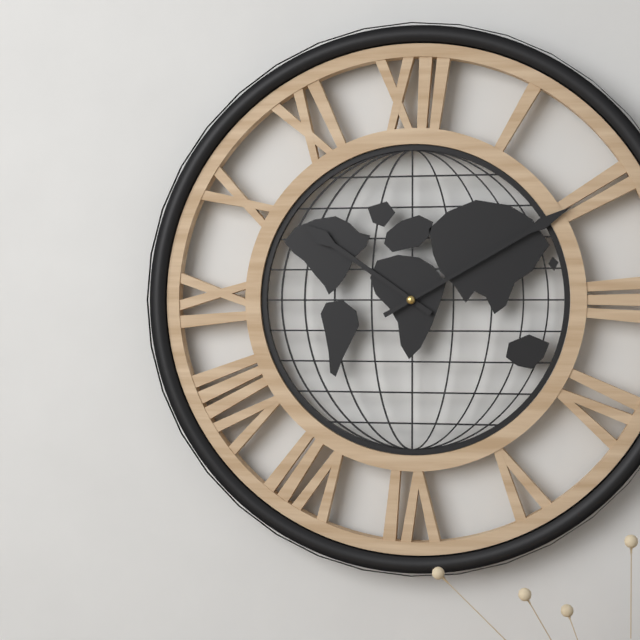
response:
h=10 m=10
